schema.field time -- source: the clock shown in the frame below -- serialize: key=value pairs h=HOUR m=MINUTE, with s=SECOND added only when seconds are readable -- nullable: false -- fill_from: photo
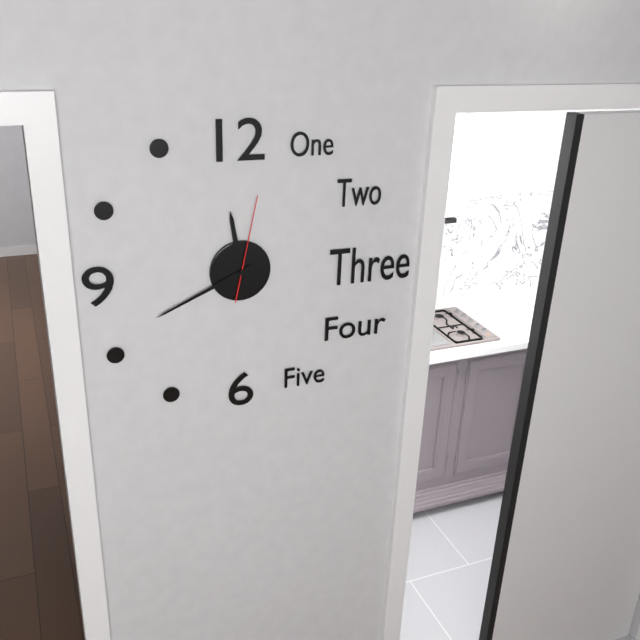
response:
h=11 m=41 s=2
